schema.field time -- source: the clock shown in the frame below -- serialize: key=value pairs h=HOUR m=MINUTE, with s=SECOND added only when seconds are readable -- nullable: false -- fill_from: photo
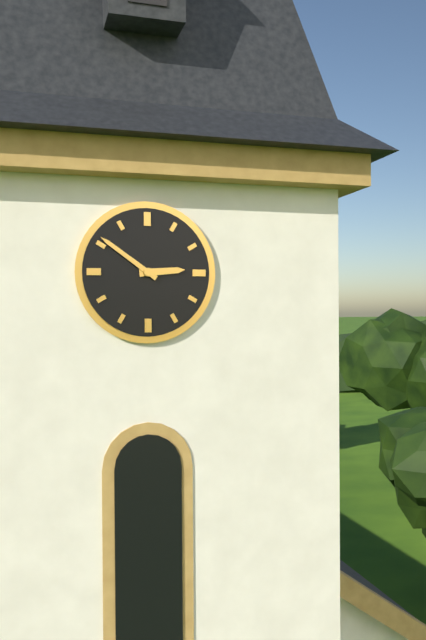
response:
h=2 m=51
